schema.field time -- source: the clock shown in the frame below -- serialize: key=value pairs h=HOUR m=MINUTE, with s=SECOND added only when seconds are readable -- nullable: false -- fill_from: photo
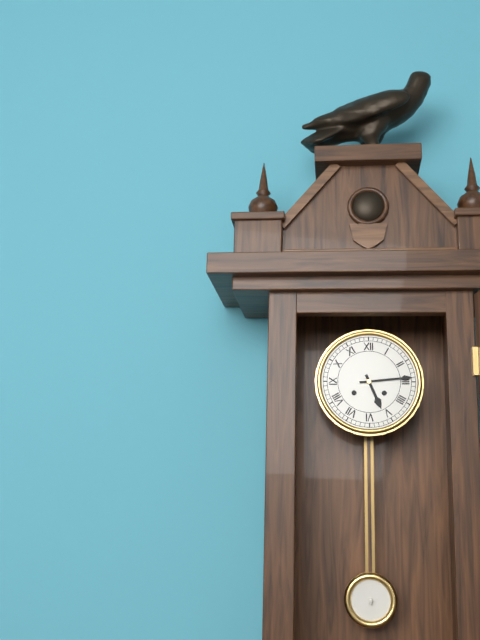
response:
h=5 m=14
